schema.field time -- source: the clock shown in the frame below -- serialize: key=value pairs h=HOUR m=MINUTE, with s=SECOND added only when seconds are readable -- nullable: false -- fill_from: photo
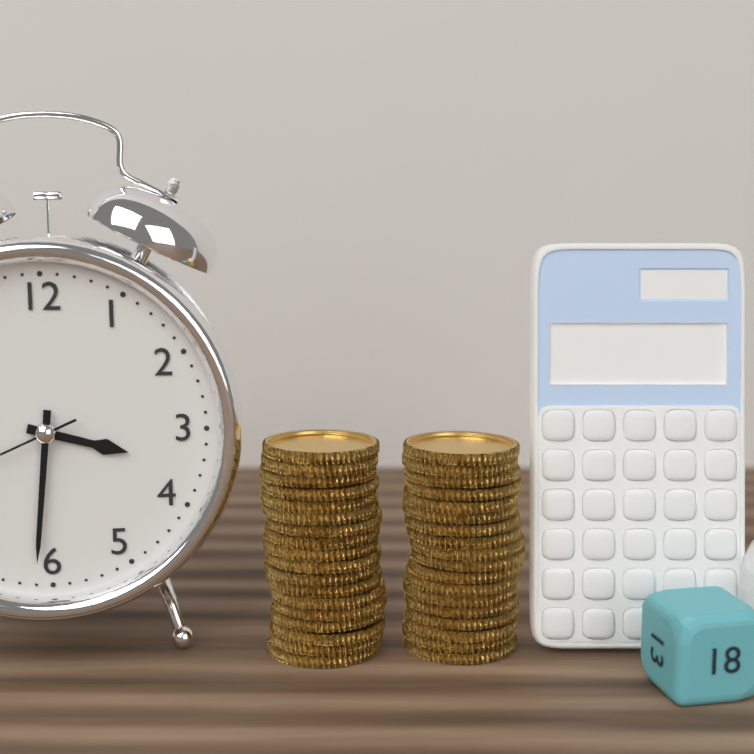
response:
h=3 m=31
